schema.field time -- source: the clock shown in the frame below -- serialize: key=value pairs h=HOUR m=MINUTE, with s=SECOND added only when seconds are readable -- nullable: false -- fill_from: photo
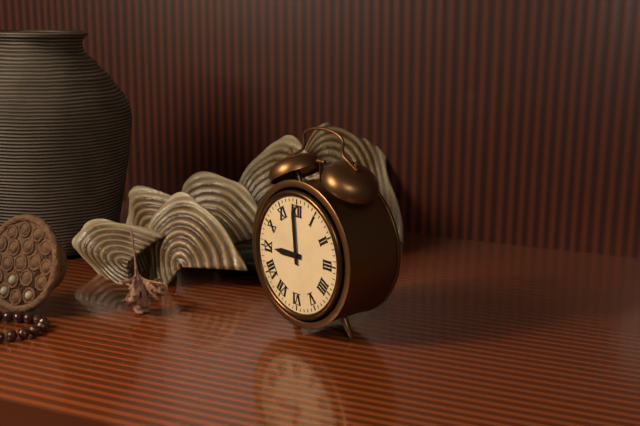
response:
h=8 m=59
